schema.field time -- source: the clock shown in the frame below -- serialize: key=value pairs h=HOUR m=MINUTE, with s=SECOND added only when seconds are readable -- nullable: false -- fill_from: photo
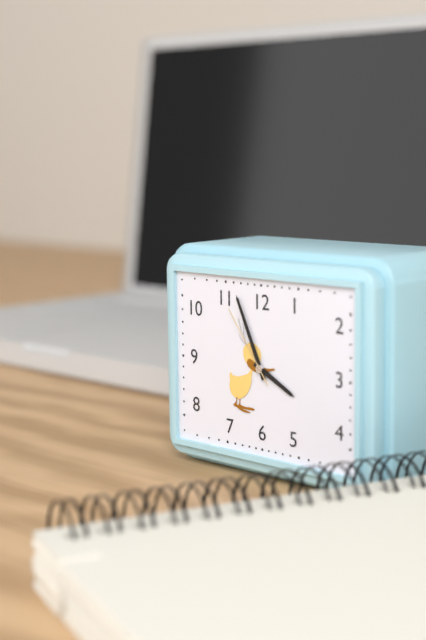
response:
h=3 m=56 s=54
